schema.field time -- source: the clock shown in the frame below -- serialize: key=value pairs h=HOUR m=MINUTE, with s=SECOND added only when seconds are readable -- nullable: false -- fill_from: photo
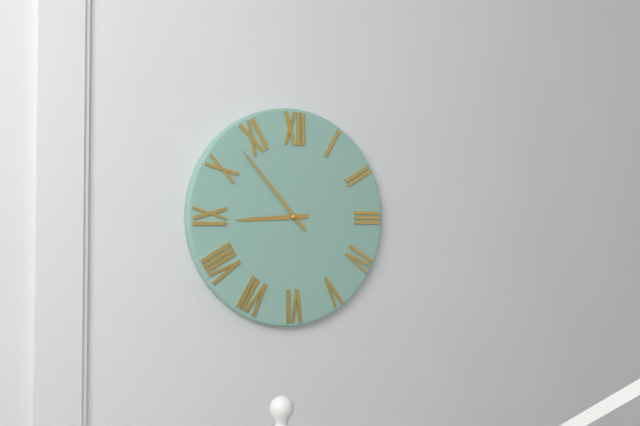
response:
h=8 m=53
